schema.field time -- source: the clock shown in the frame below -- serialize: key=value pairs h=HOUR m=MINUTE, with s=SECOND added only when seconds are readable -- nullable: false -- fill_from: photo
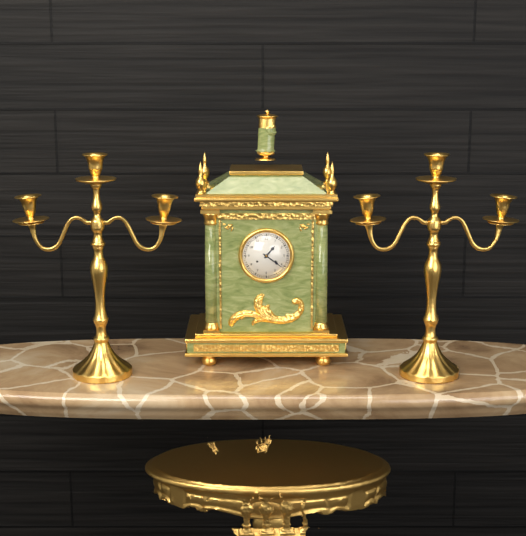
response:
h=1 m=21
